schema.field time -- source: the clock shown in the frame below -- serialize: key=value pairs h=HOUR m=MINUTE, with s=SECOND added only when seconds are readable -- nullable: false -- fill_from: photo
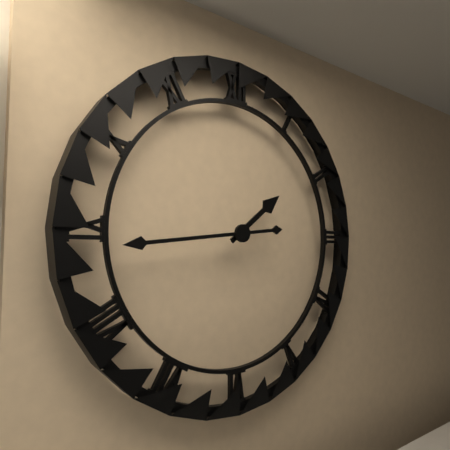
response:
h=1 m=44
